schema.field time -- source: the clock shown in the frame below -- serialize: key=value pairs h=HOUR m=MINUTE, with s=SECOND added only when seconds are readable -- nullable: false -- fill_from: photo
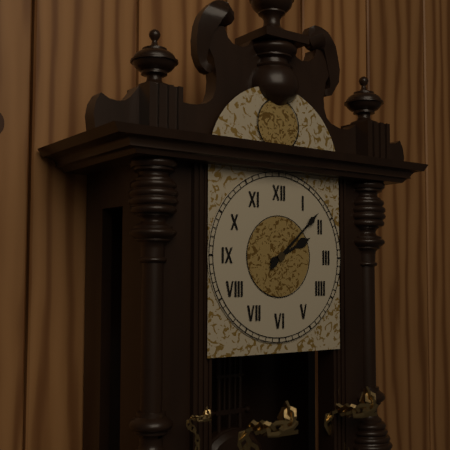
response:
h=2 m=8
